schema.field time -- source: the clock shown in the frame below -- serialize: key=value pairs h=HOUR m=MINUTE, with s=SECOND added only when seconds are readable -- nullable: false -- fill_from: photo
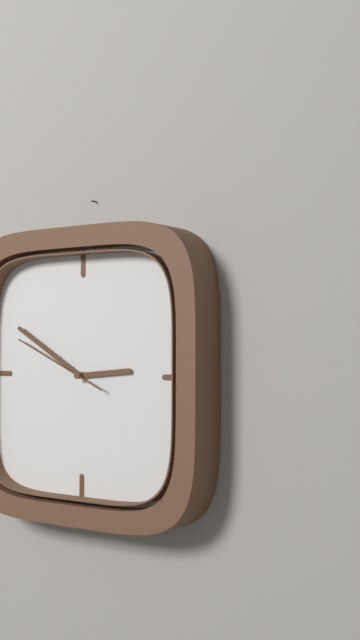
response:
h=2 m=50 s=49
